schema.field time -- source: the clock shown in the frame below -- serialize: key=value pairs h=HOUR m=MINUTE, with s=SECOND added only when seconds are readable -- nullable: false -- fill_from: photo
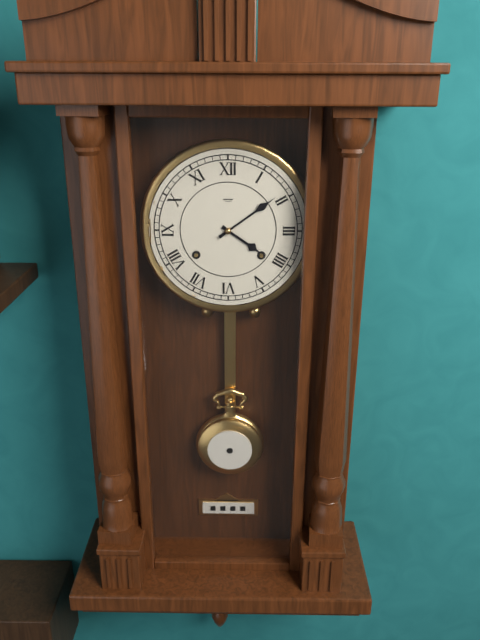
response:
h=4 m=9
